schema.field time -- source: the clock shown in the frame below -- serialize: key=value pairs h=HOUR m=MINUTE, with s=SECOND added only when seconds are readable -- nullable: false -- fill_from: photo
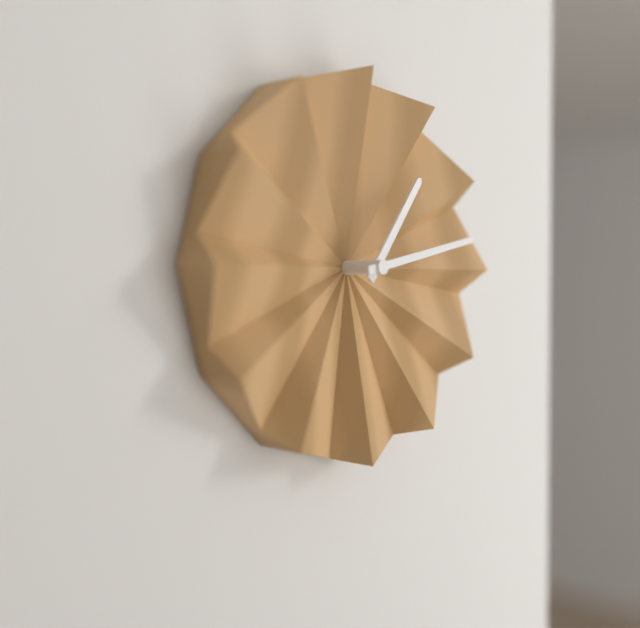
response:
h=1 m=13
